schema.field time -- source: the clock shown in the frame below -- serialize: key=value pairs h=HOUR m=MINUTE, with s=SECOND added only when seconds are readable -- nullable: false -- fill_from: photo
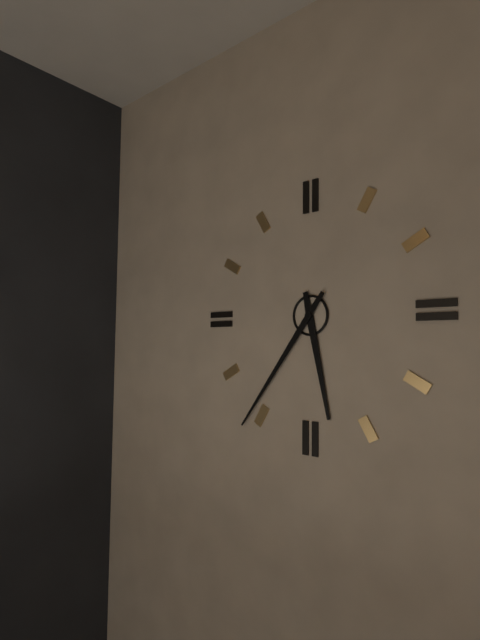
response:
h=5 m=36
